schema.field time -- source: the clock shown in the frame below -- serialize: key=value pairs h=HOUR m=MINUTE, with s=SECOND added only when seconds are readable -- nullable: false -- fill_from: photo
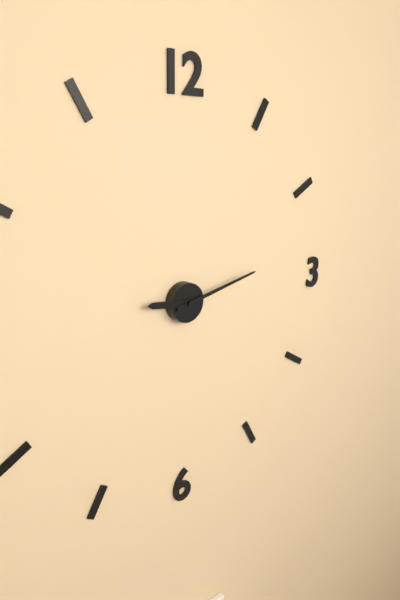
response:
h=9 m=13
